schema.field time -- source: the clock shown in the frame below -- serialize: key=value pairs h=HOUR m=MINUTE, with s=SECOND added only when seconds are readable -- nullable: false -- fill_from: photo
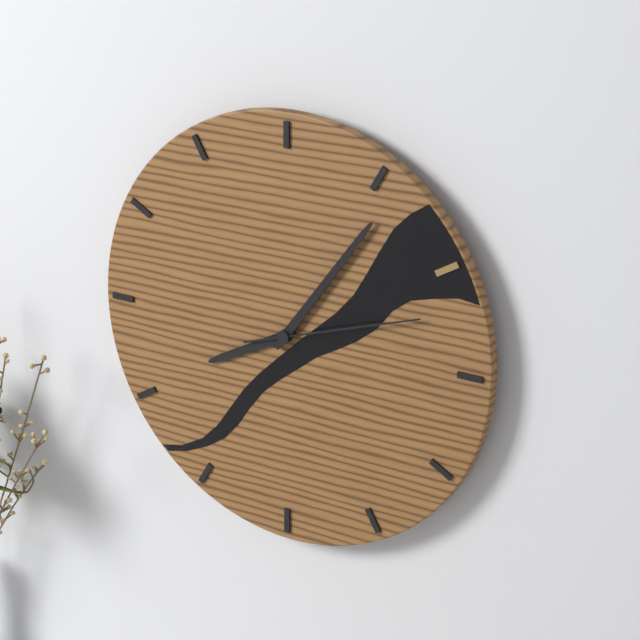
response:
h=8 m=6 s=12
